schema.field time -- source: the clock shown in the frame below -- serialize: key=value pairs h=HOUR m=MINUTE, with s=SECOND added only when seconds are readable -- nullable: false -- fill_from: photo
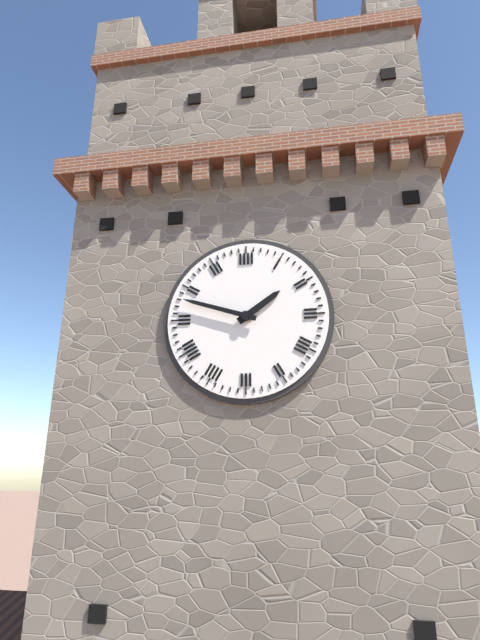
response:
h=1 m=48
